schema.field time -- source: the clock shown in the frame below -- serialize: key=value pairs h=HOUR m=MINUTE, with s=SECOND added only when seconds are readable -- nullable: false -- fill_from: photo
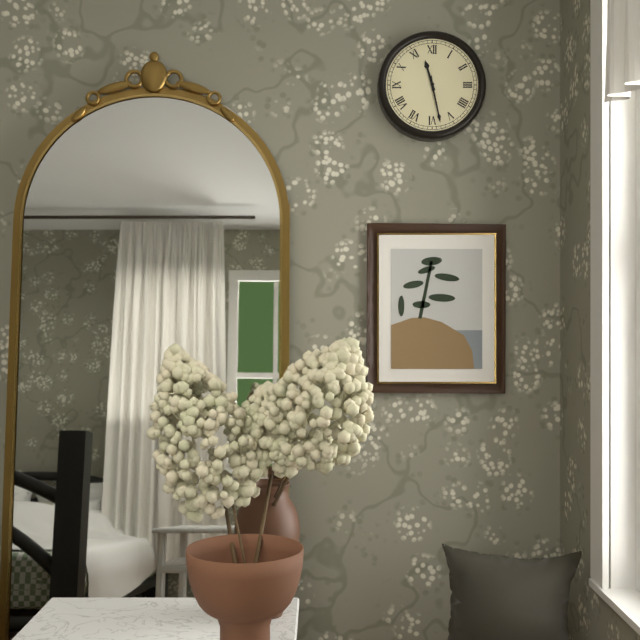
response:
h=11 m=28
